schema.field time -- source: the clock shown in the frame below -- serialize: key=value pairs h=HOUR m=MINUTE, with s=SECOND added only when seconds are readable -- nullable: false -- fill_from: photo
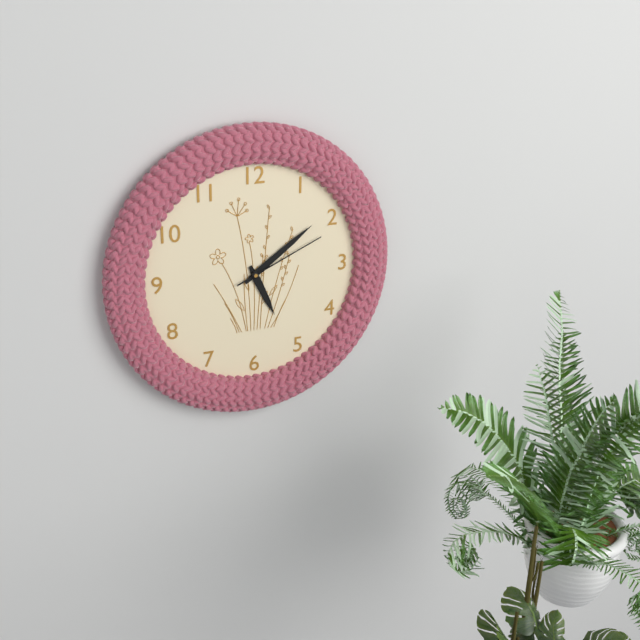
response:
h=5 m=9 s=11
